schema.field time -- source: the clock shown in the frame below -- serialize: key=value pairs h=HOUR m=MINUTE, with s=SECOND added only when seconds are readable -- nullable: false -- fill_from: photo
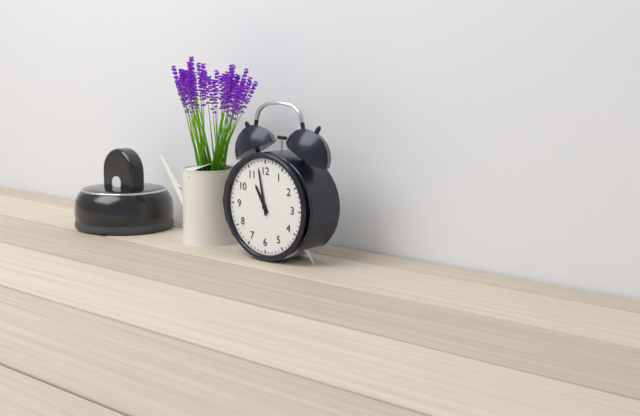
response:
h=10 m=58
